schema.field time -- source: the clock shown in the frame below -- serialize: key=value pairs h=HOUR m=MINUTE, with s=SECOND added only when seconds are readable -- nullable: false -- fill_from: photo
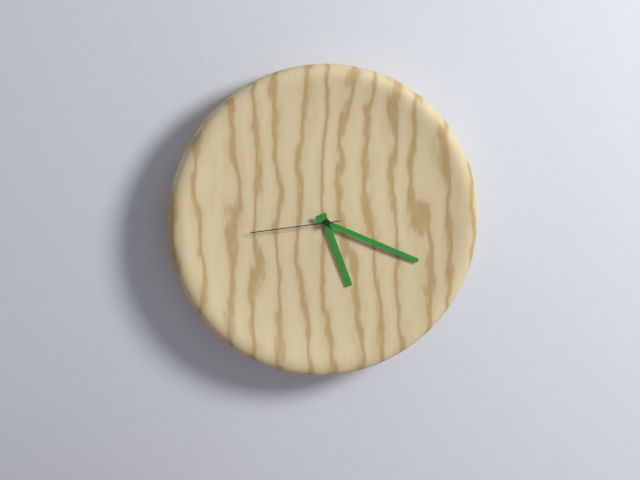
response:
h=5 m=19 s=44
